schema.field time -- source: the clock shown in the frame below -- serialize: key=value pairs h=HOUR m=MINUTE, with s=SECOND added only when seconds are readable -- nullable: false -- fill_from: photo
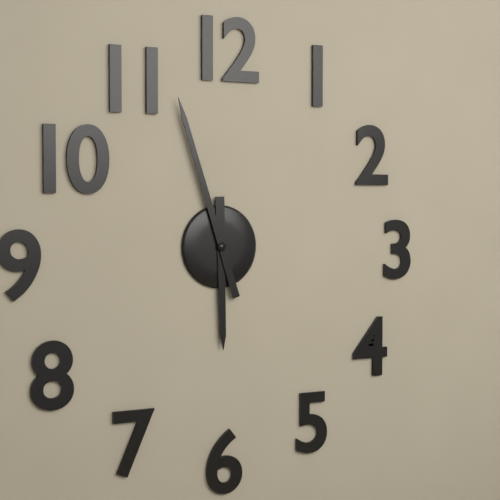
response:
h=5 m=57
